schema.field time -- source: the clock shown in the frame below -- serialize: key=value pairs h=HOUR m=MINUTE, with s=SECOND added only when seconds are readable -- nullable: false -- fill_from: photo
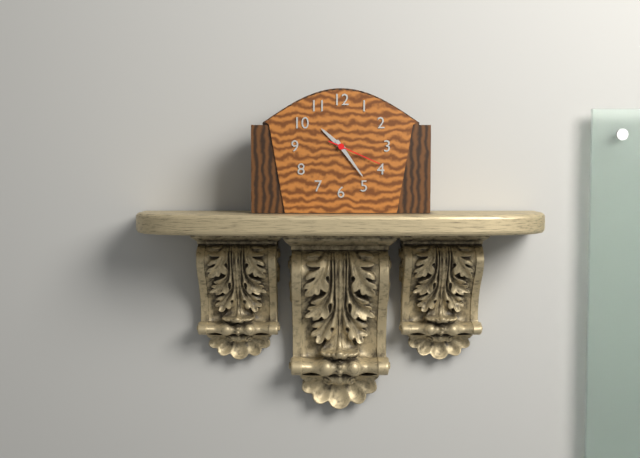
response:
h=10 m=24 s=19
